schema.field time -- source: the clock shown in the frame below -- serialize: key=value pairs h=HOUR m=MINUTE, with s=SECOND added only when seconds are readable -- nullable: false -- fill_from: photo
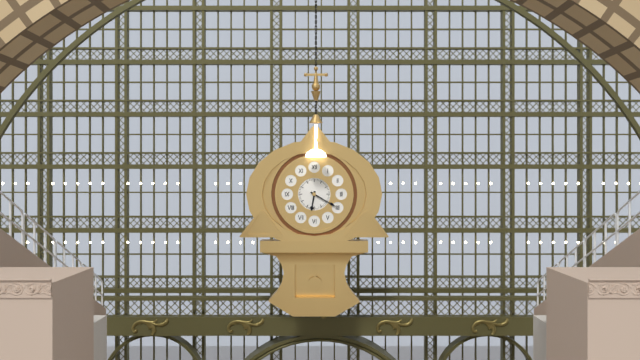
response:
h=6 m=20
